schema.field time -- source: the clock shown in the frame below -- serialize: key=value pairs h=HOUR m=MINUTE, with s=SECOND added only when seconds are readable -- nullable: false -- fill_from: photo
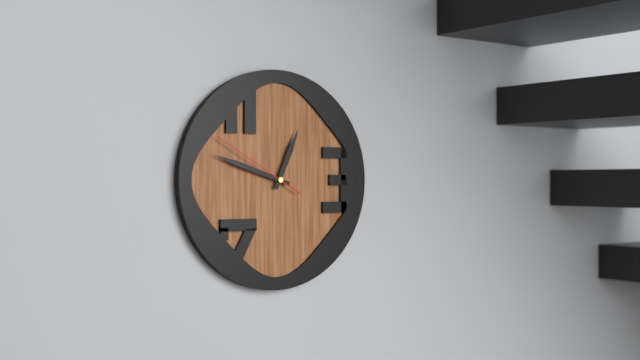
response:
h=12 m=48 s=50
